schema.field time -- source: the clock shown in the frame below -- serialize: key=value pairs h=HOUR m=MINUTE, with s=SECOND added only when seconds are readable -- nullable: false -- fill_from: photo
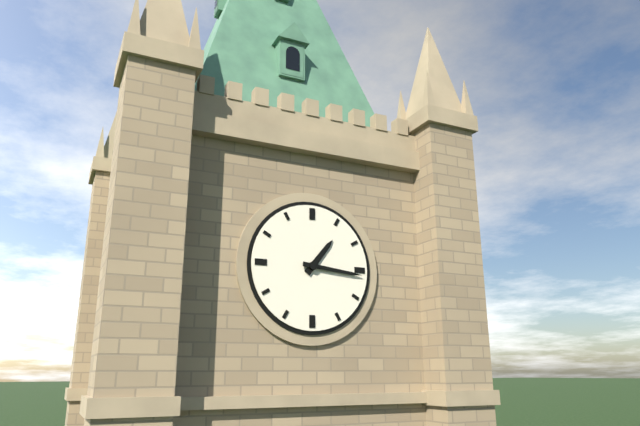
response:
h=1 m=16
